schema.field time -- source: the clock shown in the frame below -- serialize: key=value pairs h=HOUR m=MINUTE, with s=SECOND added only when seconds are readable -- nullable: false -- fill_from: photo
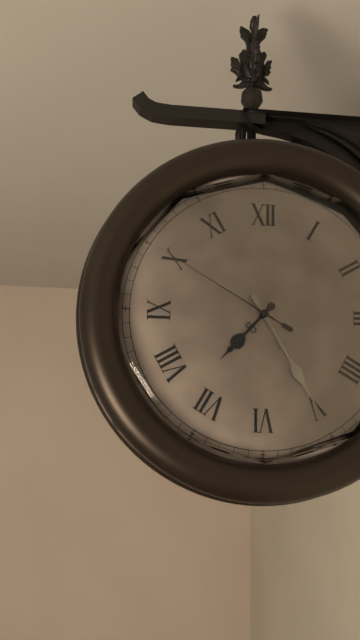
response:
h=7 m=25 s=50
